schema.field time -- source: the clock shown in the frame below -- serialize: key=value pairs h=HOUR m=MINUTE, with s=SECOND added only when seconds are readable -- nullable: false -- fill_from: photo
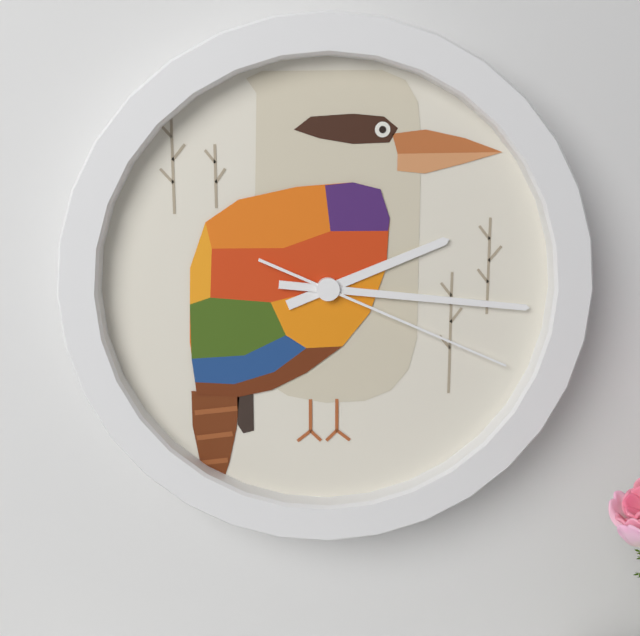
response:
h=2 m=16 s=19
